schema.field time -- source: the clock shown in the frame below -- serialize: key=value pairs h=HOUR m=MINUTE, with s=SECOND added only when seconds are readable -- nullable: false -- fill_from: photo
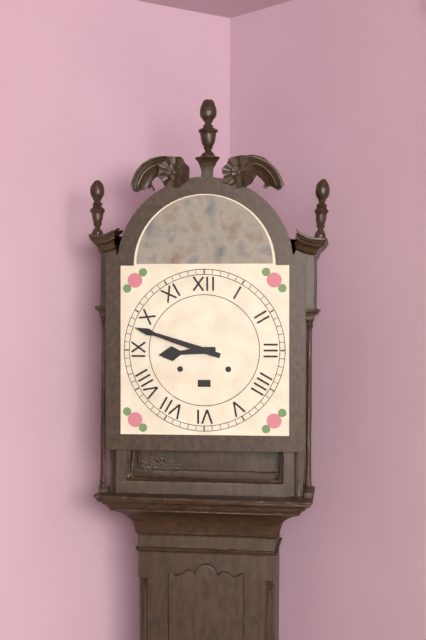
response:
h=8 m=48
